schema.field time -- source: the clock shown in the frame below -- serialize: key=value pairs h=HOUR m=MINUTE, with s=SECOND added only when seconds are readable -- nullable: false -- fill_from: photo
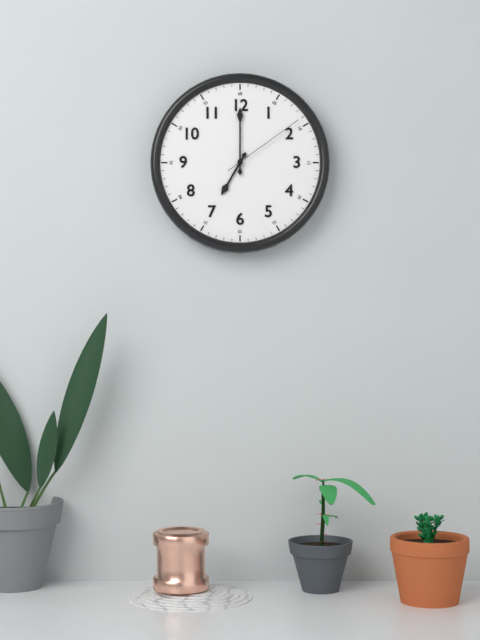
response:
h=7 m=0 s=9
